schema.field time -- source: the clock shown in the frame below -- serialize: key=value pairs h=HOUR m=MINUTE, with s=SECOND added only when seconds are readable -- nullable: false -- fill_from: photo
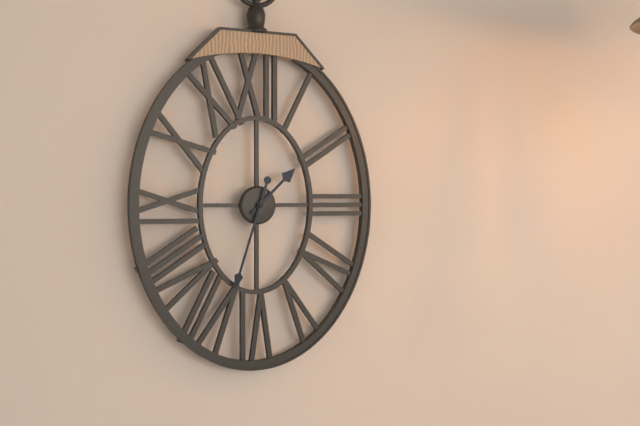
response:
h=1 m=33
